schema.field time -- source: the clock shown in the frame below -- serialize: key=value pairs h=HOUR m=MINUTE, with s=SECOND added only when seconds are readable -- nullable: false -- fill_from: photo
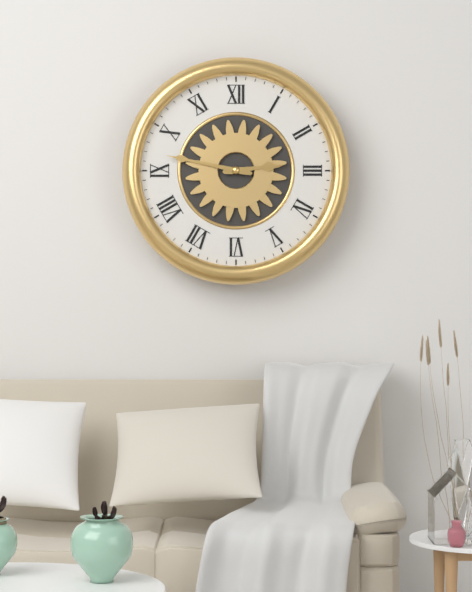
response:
h=2 m=47
